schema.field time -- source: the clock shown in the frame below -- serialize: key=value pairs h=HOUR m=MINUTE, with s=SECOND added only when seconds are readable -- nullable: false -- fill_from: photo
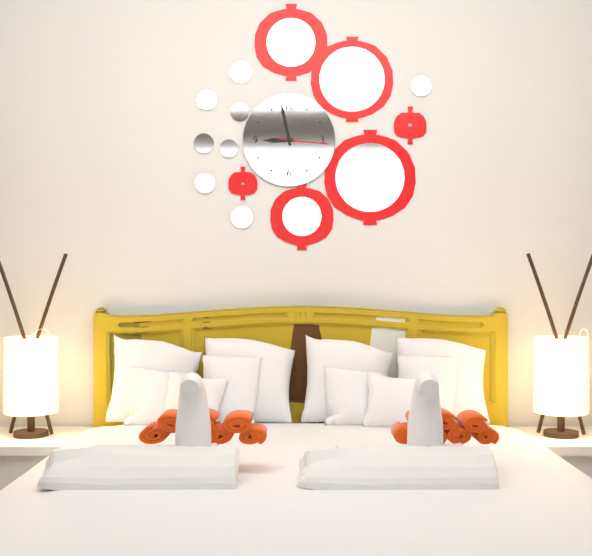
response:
h=8 m=58 s=16
